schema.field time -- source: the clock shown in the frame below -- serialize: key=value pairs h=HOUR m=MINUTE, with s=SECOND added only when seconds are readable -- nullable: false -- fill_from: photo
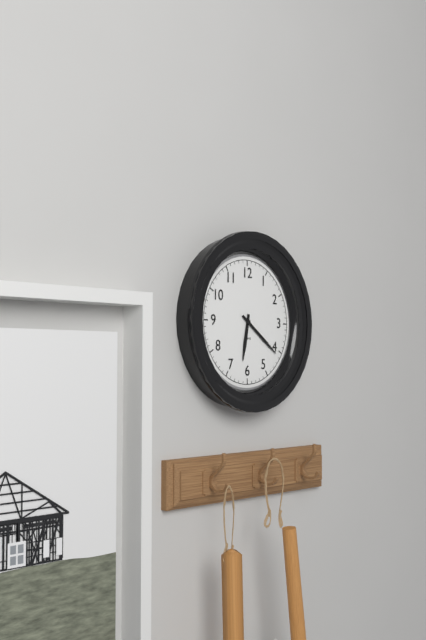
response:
h=6 m=21
